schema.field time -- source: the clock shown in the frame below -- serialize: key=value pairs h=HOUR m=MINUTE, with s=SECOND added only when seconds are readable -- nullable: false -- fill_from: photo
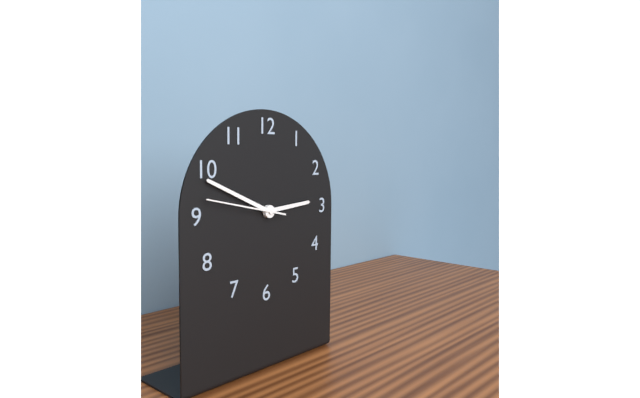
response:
h=2 m=49 s=47
